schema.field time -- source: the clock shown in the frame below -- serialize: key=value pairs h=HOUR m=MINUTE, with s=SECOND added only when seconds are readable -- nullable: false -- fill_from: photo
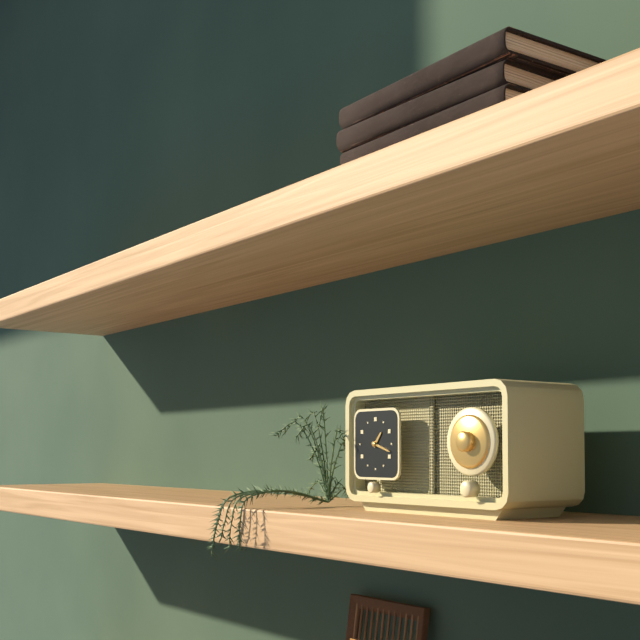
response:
h=1 m=18
